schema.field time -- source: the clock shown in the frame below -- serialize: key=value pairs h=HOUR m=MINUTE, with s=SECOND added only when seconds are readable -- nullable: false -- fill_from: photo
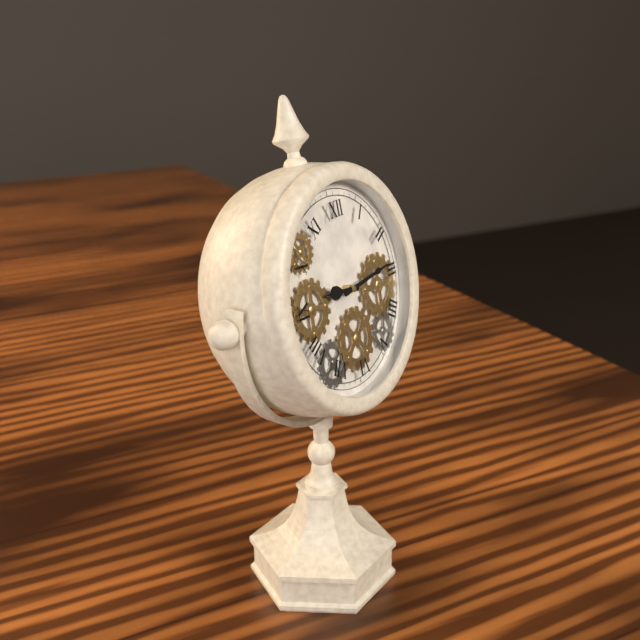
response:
h=9 m=14
